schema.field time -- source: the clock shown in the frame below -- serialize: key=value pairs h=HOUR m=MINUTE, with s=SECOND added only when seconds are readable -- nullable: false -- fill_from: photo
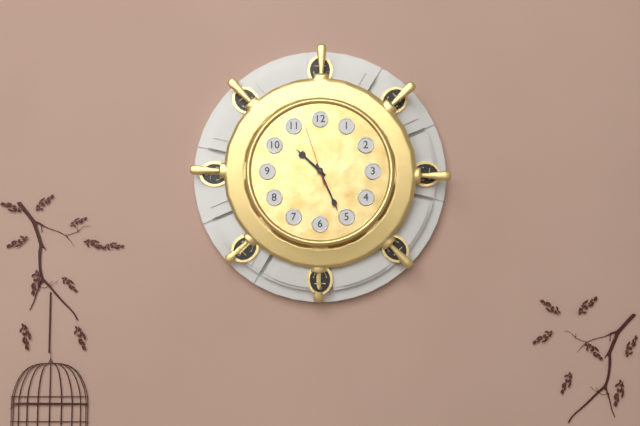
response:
h=10 m=26 s=57
